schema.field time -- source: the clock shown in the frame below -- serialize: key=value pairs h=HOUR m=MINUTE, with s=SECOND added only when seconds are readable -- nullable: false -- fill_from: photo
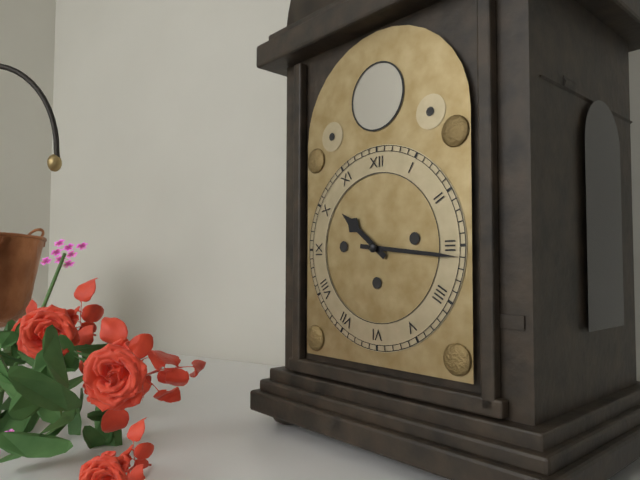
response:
h=10 m=16
